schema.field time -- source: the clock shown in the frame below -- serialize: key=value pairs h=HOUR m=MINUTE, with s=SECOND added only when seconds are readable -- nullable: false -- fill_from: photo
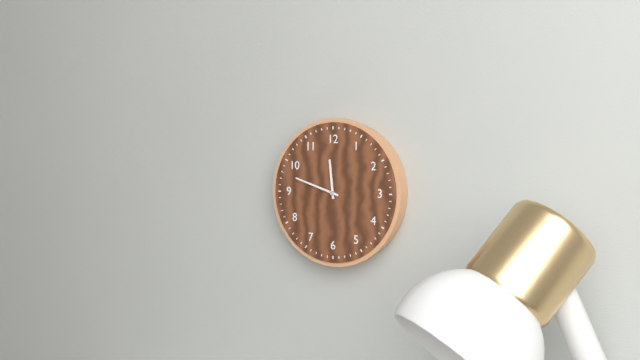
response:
h=11 m=48
